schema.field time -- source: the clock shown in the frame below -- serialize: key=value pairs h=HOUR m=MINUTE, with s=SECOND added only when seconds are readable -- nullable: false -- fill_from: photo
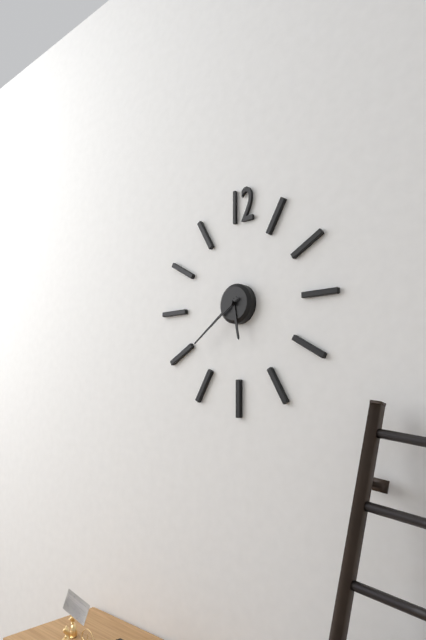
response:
h=5 m=39
